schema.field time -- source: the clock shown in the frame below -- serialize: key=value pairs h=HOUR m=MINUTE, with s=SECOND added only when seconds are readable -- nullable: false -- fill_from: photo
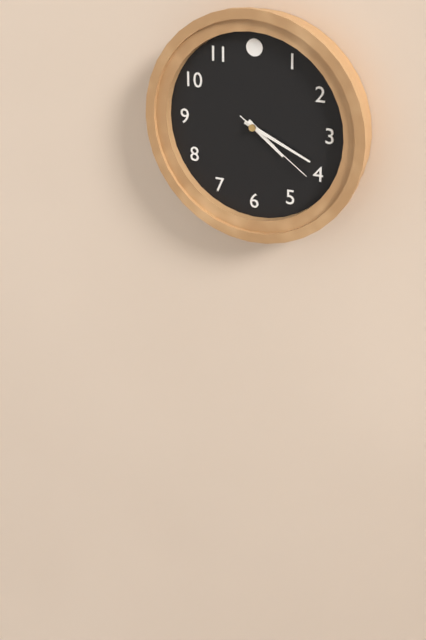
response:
h=4 m=19 s=21
